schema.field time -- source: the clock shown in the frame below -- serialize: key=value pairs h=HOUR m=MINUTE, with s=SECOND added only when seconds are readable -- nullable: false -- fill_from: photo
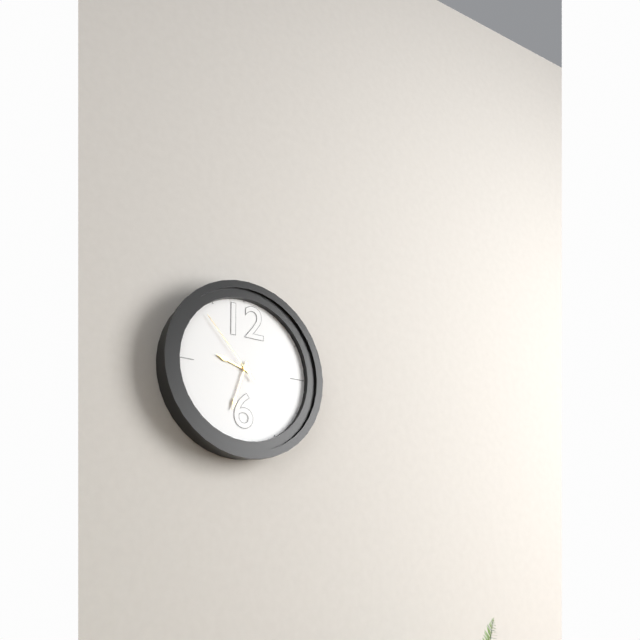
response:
h=9 m=33 s=53
